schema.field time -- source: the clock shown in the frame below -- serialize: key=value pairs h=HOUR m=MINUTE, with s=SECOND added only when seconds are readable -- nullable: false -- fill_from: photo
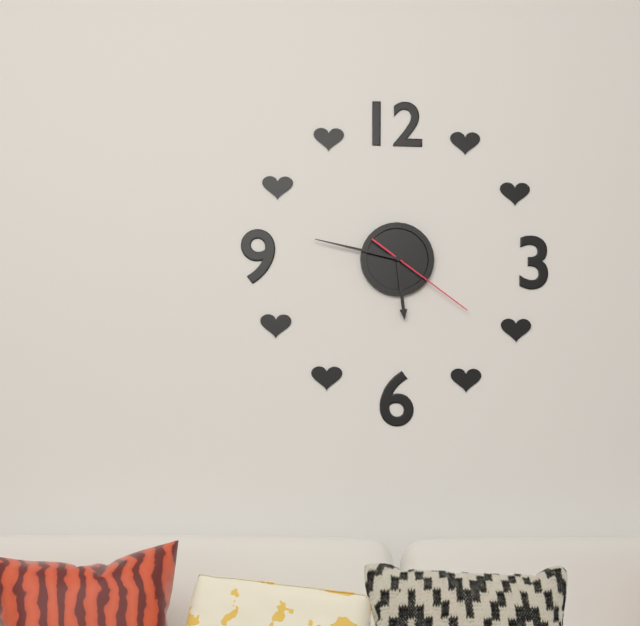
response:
h=5 m=47 s=21
